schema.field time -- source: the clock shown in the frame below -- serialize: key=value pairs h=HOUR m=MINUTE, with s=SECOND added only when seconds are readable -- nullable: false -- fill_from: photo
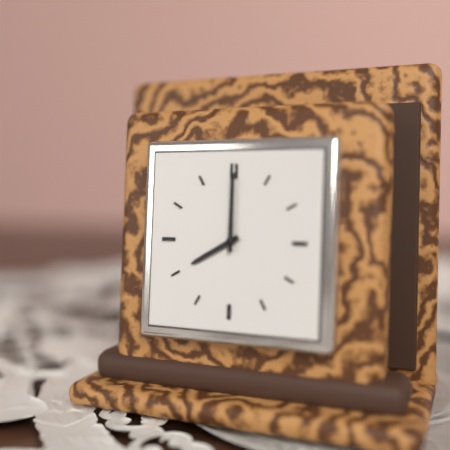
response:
h=8 m=0
